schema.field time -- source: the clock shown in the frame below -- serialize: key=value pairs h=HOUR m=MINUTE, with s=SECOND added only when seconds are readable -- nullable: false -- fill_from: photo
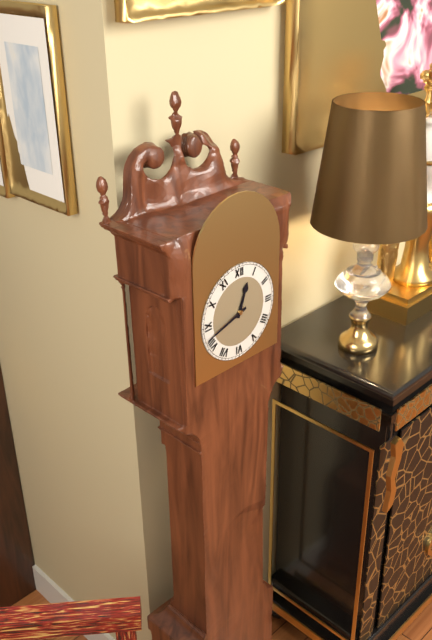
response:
h=12 m=42
